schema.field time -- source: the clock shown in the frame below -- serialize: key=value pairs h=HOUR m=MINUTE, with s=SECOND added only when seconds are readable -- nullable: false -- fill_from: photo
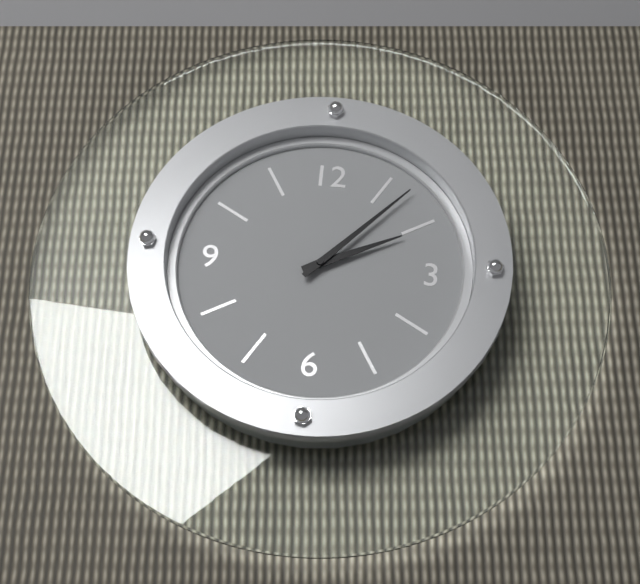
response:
h=2 m=7
